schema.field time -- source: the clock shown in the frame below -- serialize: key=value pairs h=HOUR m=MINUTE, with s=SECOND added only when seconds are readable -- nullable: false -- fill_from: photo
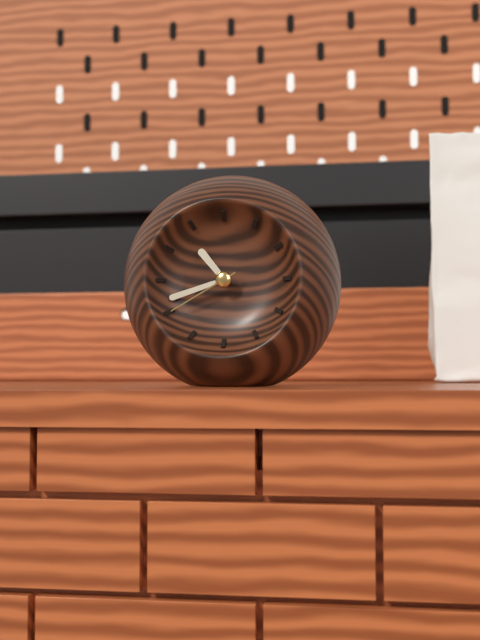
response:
h=10 m=42 s=40
